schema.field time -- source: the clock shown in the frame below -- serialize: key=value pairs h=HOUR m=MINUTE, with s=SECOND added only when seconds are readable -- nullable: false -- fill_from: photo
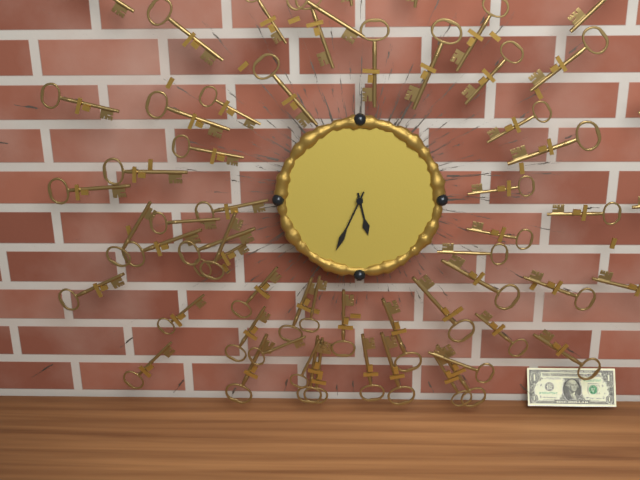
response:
h=5 m=34
